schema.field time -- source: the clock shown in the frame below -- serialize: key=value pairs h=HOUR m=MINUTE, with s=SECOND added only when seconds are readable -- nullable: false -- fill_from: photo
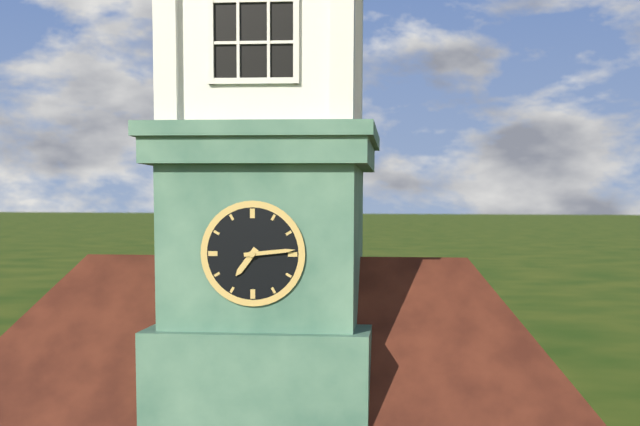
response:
h=7 m=14
